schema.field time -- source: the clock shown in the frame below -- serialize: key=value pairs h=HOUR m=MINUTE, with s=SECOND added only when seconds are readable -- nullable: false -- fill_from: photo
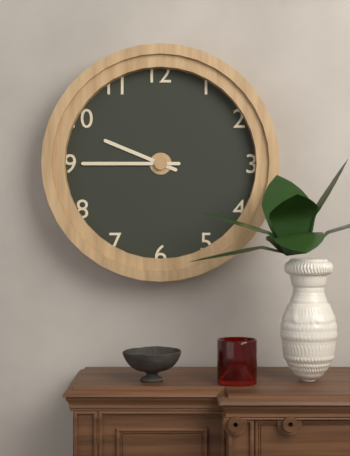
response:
h=9 m=45
